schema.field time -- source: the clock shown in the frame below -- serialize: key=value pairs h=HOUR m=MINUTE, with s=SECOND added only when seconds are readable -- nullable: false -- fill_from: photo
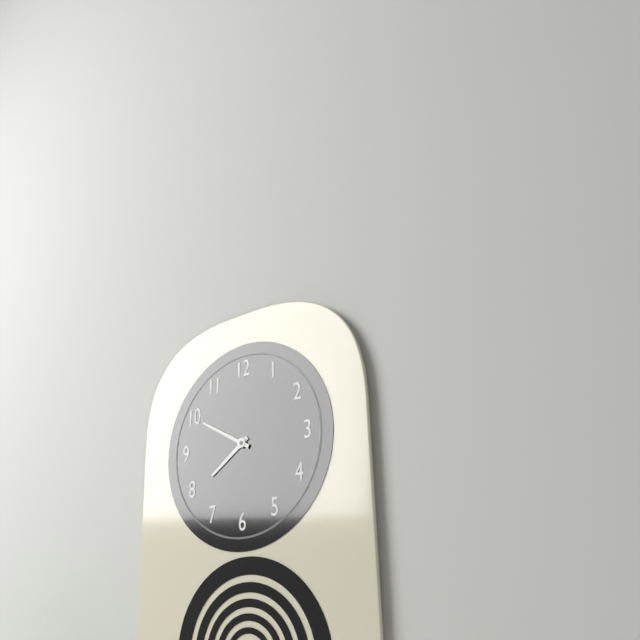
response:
h=7 m=50
